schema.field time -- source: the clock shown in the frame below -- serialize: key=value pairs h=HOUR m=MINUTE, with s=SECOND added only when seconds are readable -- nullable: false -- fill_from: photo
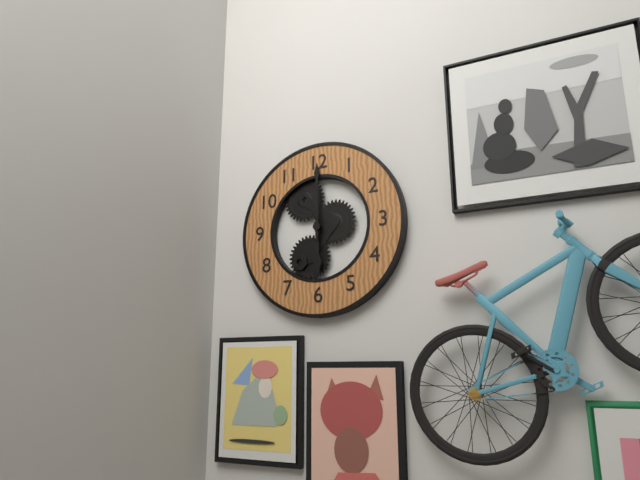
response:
h=6 m=0
